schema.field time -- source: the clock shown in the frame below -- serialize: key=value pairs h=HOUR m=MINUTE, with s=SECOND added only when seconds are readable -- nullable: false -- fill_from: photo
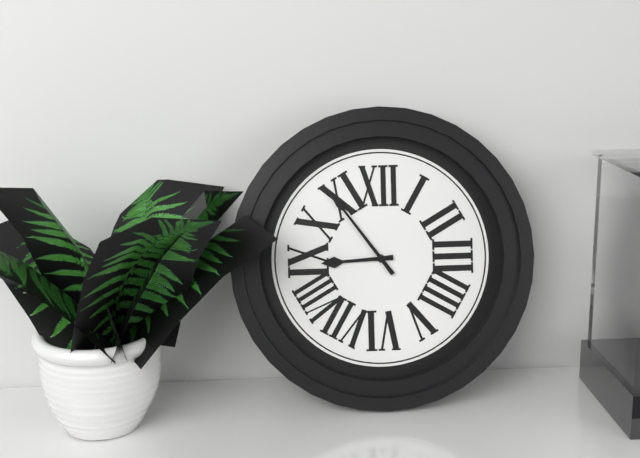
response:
h=8 m=54
